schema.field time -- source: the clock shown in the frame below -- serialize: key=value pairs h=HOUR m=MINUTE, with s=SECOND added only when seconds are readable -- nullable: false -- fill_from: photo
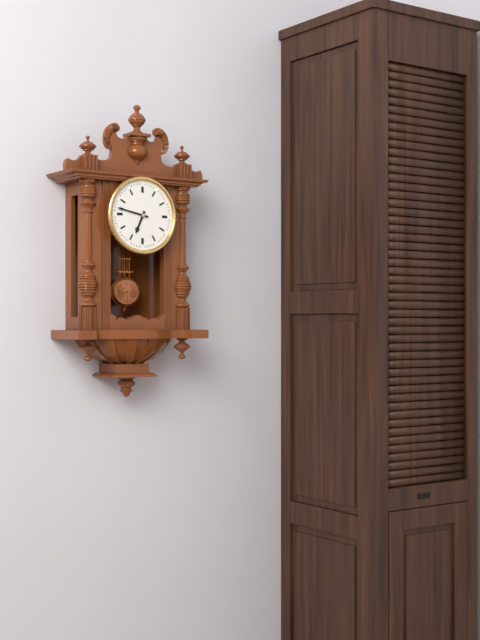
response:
h=6 m=47
